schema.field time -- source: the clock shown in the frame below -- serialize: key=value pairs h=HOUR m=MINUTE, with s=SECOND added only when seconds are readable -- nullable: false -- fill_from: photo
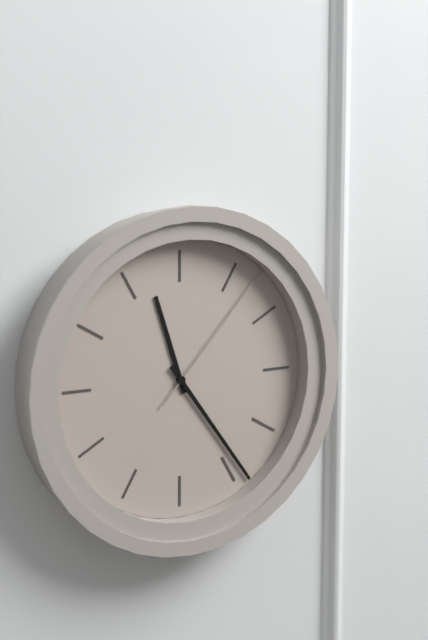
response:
h=11 m=24 s=7
